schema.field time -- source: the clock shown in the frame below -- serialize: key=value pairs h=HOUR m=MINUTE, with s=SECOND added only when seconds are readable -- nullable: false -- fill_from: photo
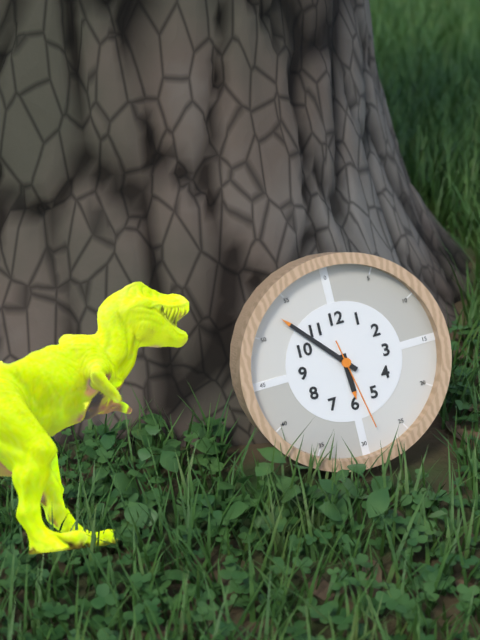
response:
h=5 m=53 s=28
